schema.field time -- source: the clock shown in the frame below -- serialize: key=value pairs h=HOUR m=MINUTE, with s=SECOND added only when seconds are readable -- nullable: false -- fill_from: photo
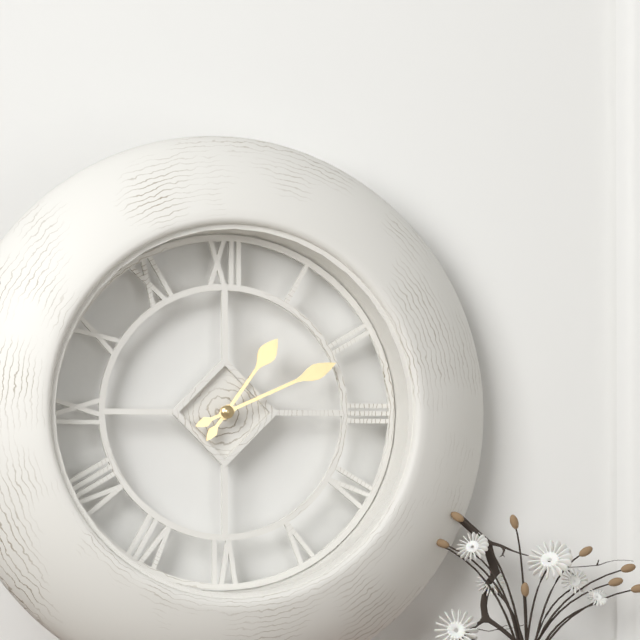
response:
h=1 m=11
